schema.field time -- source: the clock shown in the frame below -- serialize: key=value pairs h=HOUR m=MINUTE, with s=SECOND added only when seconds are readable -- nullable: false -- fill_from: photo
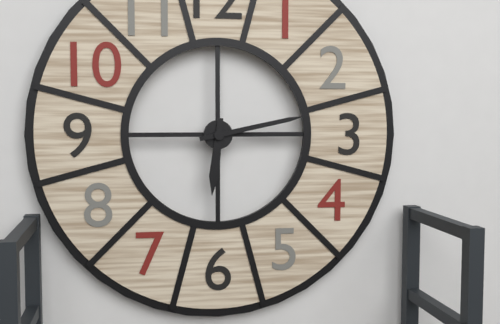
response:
h=6 m=13
